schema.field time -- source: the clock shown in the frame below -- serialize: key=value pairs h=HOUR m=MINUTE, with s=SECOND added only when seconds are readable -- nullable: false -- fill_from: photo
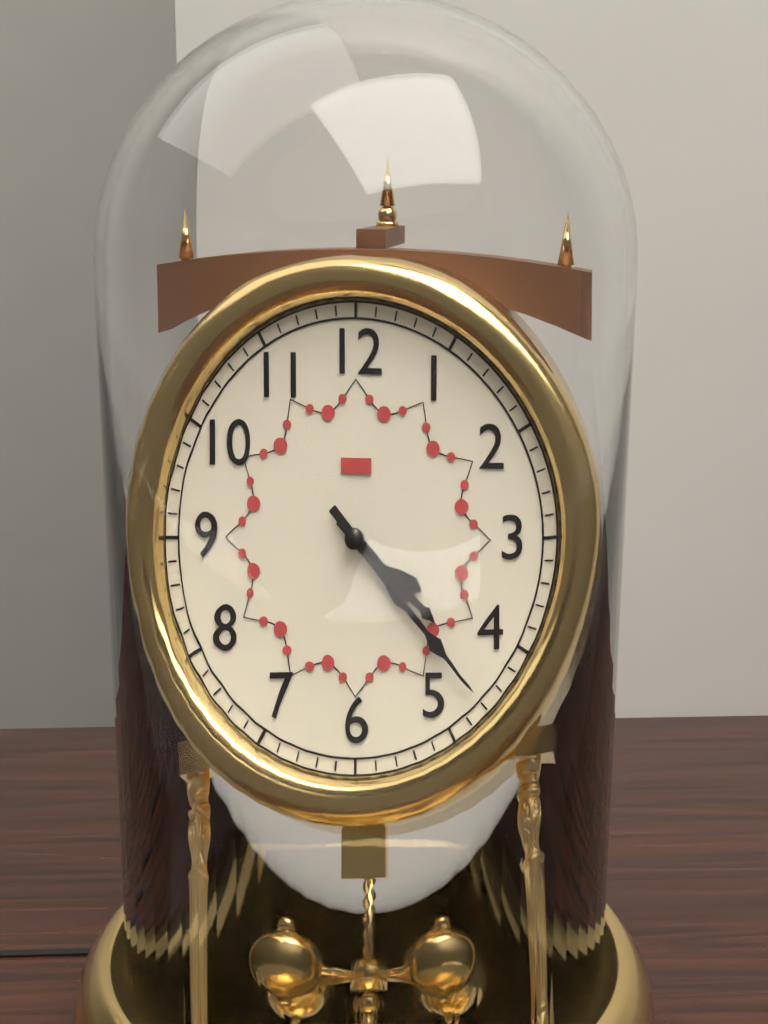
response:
h=4 m=23
